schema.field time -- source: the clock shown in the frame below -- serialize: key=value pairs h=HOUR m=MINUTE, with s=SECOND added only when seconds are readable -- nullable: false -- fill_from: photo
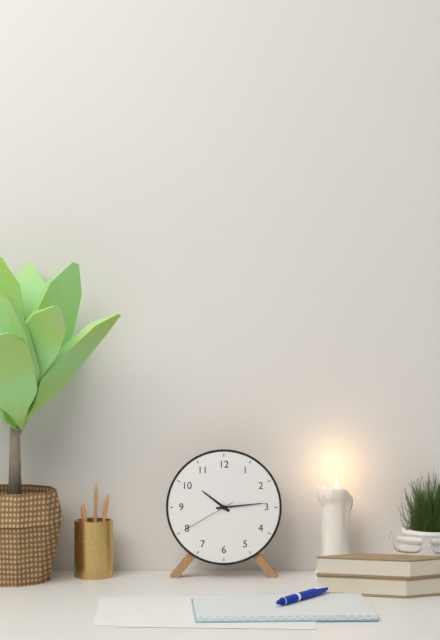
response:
h=10 m=14 s=40
